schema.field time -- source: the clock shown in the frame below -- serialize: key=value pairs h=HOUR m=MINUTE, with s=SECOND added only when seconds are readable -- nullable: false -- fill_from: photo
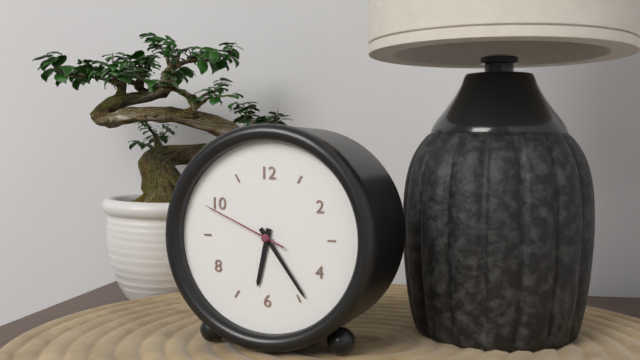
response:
h=6 m=24 s=49
